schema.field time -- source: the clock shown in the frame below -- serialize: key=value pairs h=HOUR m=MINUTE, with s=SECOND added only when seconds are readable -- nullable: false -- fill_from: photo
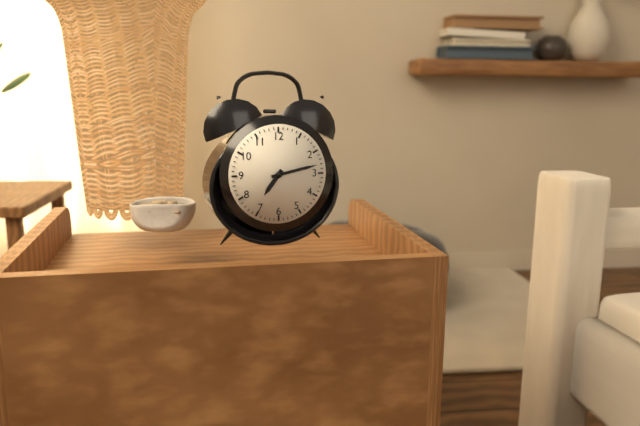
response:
h=7 m=13
